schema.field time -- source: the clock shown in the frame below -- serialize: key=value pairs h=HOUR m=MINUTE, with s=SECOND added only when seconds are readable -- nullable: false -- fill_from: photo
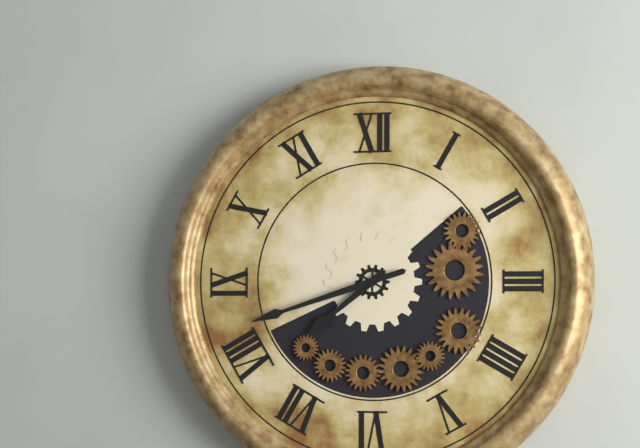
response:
h=7 m=42
